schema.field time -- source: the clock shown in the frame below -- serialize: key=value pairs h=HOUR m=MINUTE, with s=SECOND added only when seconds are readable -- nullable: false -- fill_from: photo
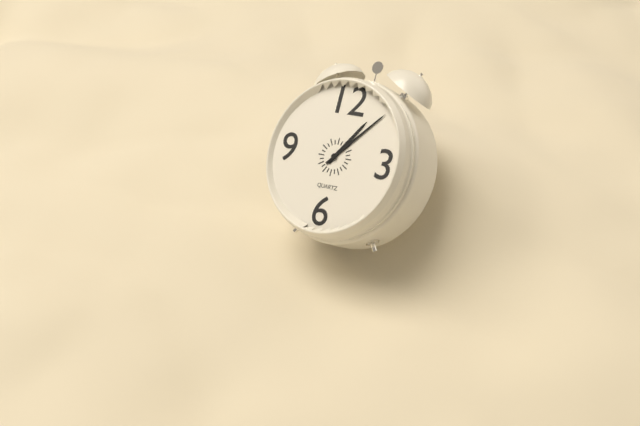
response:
h=1 m=7
